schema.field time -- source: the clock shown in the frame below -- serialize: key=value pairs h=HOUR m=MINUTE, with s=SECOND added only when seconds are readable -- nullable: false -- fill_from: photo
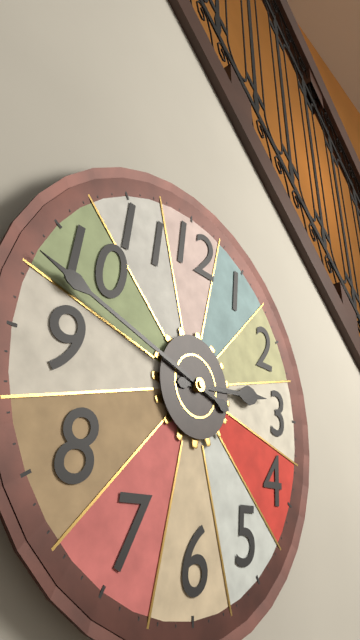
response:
h=2 m=48
